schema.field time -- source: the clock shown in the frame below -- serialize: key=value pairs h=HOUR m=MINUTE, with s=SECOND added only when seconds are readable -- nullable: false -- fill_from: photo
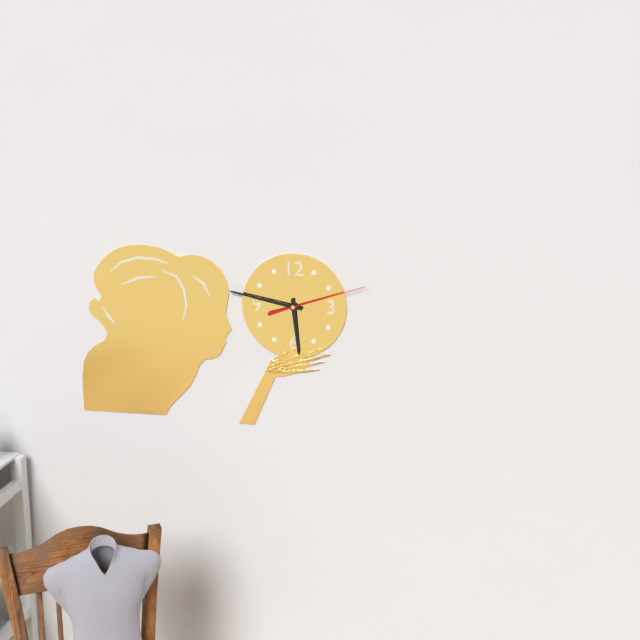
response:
h=5 m=47 s=12
